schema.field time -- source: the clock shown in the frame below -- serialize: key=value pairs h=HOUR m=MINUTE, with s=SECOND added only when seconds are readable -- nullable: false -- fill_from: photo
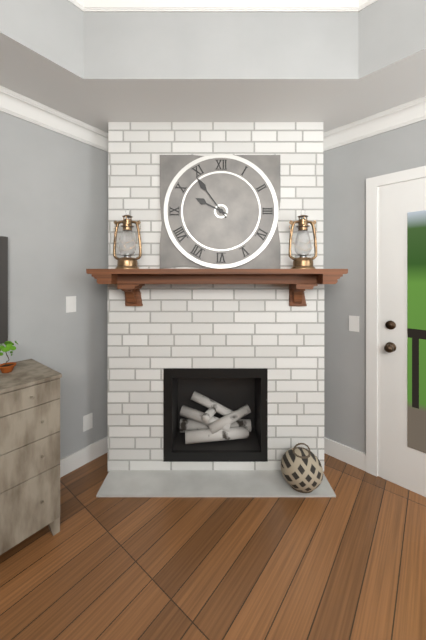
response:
h=9 m=54
